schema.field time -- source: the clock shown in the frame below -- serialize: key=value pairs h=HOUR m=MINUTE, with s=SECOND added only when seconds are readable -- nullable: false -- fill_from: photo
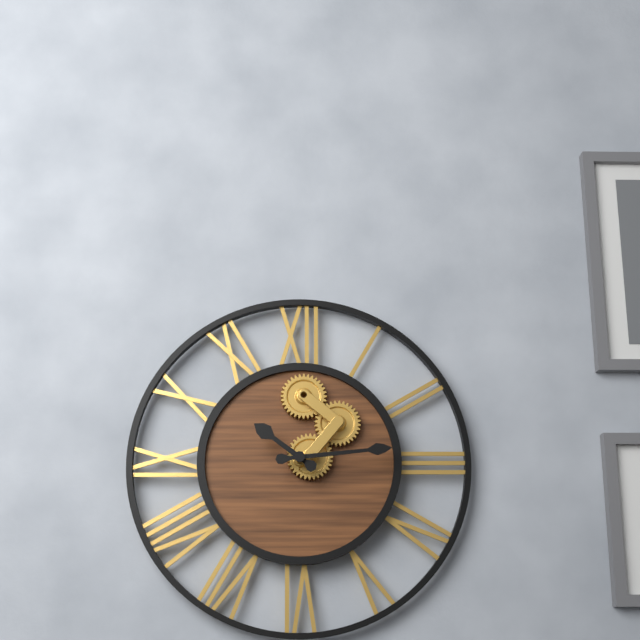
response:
h=10 m=14
